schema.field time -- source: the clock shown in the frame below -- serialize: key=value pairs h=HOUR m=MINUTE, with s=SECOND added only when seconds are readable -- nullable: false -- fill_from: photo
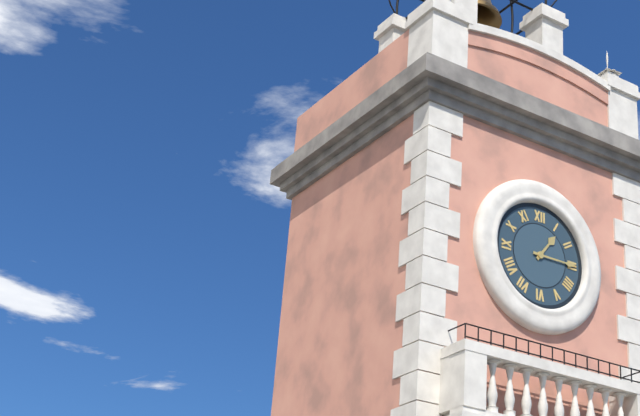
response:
h=1 m=15
